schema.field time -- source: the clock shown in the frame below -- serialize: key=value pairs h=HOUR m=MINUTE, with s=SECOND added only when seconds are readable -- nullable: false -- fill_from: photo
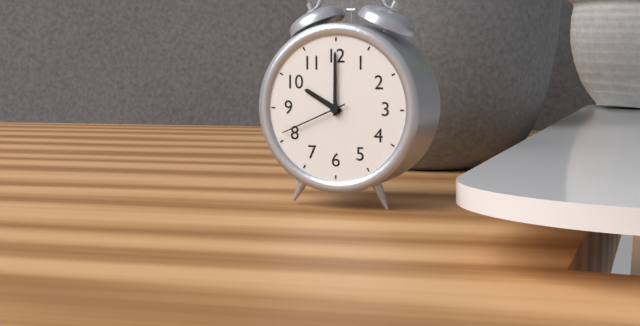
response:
h=10 m=0 s=41
